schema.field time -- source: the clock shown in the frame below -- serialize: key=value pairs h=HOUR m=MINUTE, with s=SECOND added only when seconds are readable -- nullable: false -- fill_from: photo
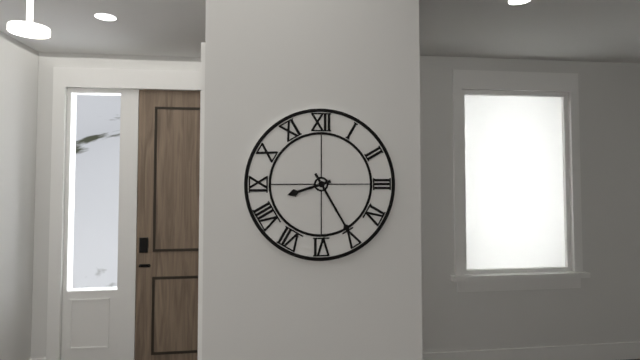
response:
h=8 m=25
